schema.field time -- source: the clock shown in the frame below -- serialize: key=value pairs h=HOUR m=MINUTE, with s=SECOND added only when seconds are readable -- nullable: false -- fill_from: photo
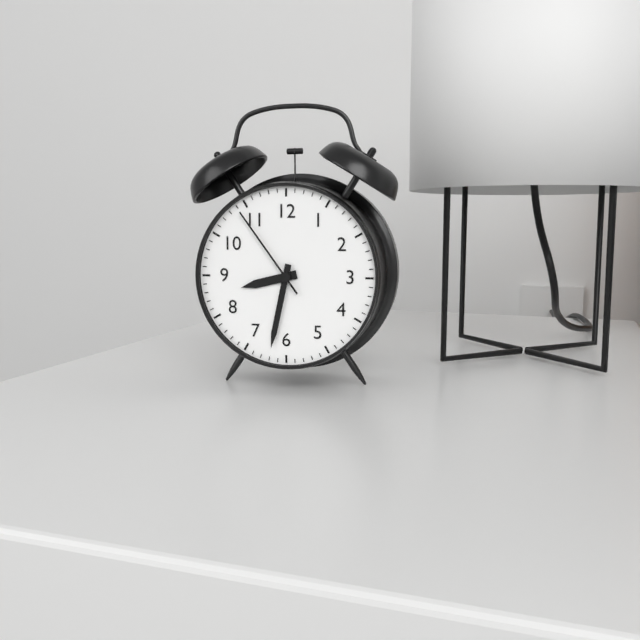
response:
h=8 m=32 s=54
